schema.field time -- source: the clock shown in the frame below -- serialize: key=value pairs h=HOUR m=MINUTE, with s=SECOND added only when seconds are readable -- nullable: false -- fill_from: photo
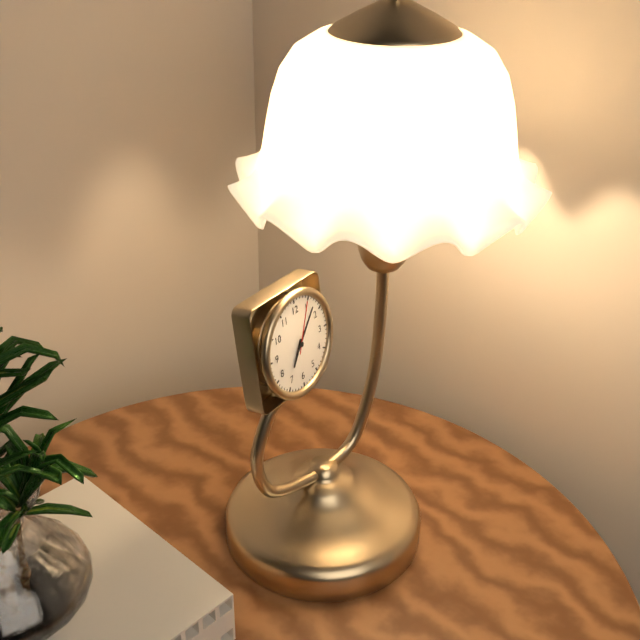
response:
h=7 m=7 s=4
